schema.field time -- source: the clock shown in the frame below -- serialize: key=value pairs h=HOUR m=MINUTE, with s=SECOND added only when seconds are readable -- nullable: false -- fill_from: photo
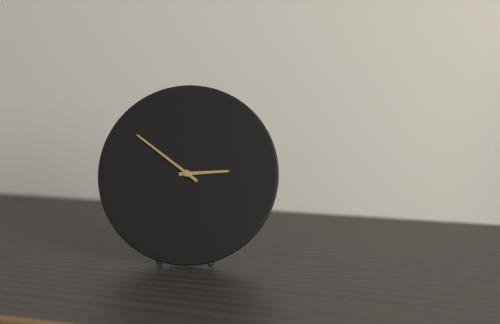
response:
h=2 m=51
